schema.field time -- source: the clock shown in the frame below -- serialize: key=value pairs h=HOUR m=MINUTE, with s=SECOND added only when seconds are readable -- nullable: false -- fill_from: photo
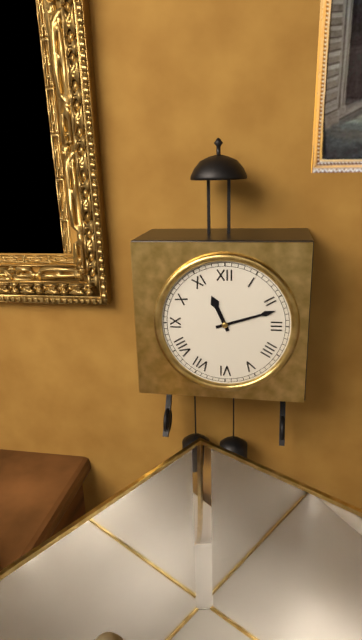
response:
h=11 m=12
